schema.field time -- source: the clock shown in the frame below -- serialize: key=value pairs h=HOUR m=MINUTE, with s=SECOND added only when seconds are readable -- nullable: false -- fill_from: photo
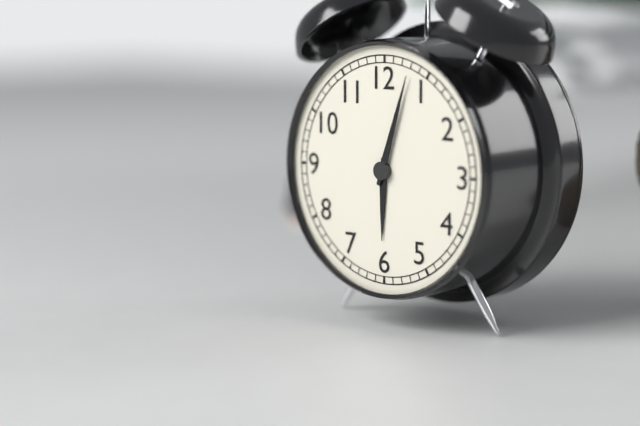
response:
h=6 m=3
